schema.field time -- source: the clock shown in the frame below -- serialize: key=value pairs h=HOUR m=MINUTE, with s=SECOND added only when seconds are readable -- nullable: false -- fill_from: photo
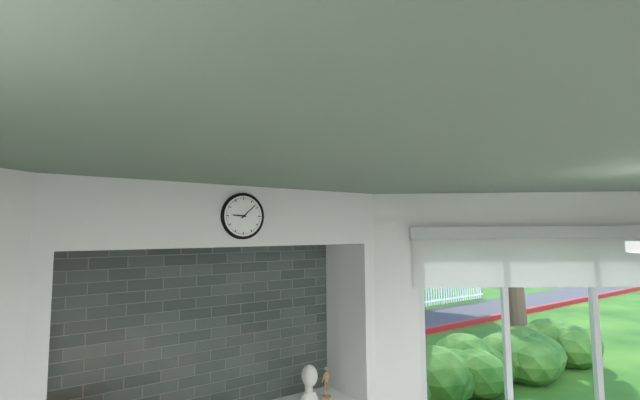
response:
h=9 m=8
